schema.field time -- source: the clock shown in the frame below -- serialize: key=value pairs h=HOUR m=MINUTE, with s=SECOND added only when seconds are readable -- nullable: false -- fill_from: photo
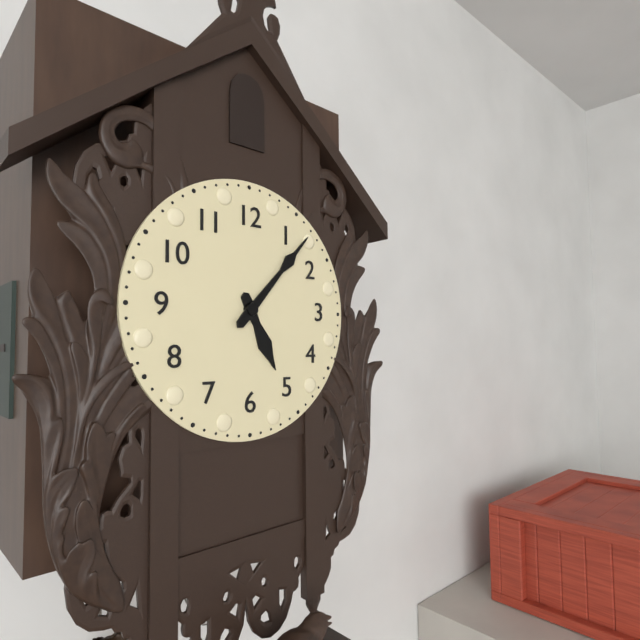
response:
h=5 m=7
